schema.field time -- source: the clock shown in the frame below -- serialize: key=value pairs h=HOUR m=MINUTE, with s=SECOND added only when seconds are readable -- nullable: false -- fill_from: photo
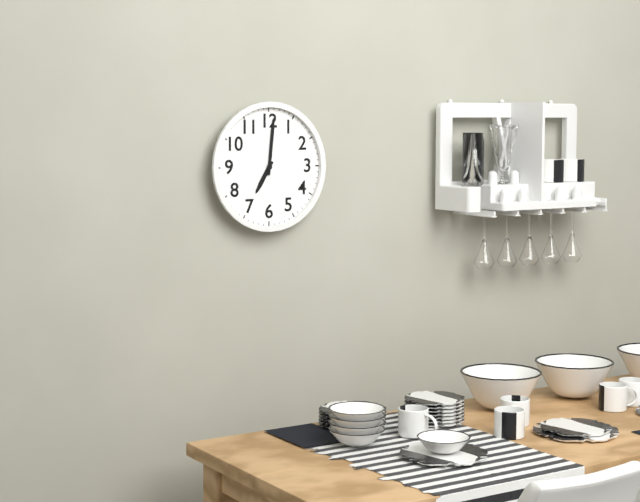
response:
h=7 m=1
